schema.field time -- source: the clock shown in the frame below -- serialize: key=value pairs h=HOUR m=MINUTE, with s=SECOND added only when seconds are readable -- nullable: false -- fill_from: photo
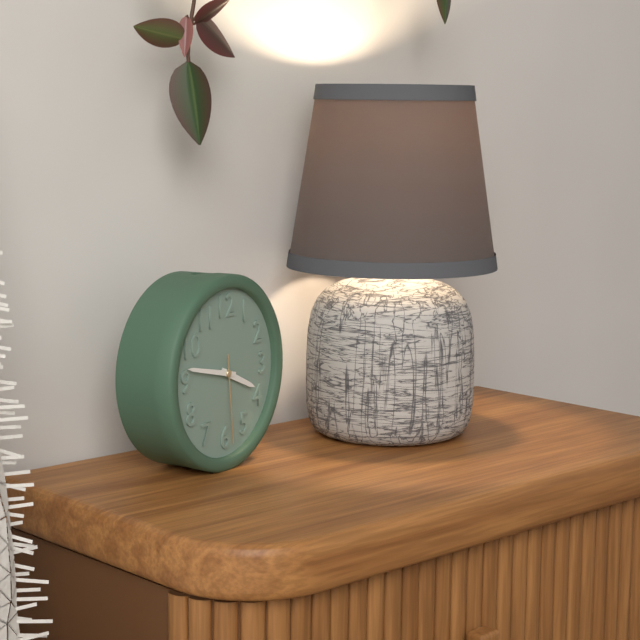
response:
h=3 m=47 s=29
